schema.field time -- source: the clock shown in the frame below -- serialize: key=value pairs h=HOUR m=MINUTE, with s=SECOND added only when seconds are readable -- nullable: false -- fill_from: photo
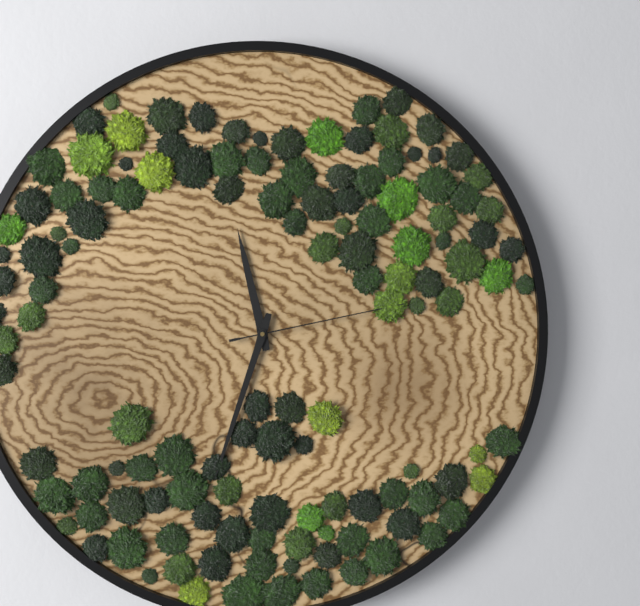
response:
h=11 m=33 s=13
